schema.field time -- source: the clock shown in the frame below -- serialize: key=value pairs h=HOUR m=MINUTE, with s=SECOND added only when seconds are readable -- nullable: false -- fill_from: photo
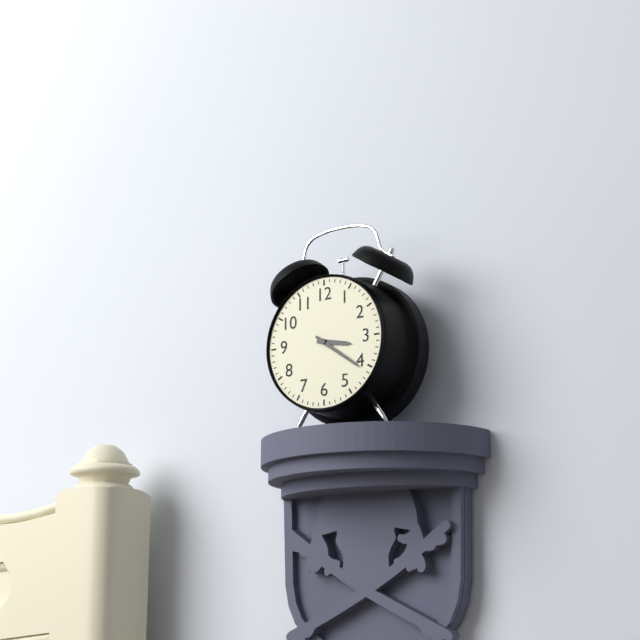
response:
h=3 m=21
